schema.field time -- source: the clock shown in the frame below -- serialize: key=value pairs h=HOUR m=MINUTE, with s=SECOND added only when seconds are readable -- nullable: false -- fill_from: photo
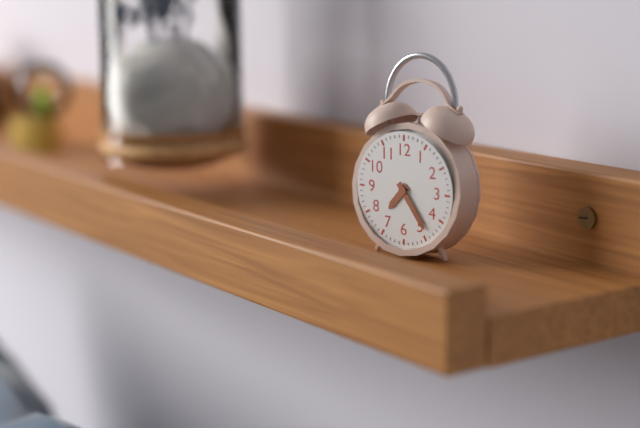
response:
h=7 m=24
